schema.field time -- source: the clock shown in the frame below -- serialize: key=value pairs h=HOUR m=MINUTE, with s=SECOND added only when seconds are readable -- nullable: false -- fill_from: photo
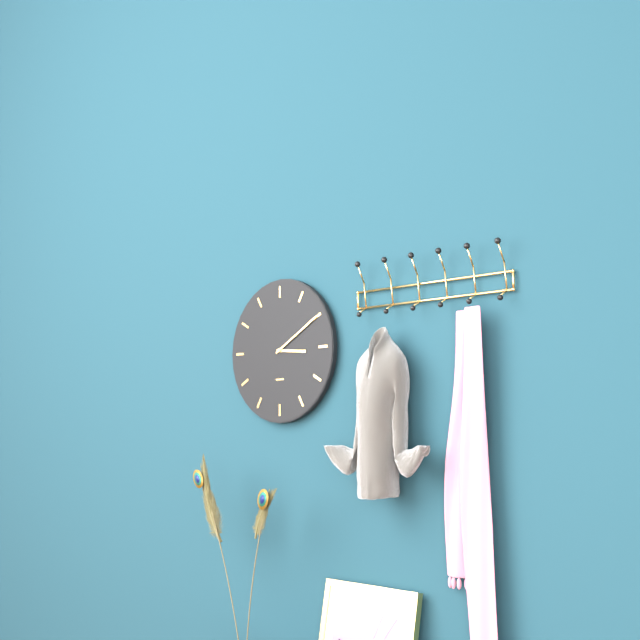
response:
h=3 m=10
